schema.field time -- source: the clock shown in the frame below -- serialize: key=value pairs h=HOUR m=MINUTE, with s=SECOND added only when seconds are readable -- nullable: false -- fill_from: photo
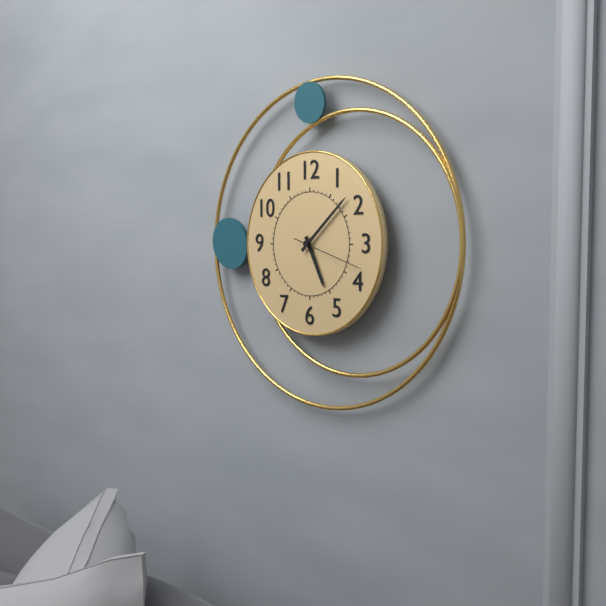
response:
h=5 m=8 s=18
